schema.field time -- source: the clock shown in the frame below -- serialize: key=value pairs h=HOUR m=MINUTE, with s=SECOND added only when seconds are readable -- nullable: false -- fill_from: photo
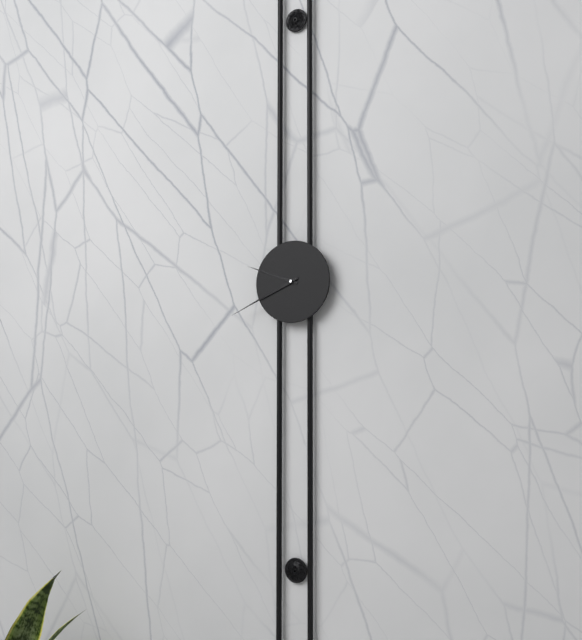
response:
h=9 m=41
